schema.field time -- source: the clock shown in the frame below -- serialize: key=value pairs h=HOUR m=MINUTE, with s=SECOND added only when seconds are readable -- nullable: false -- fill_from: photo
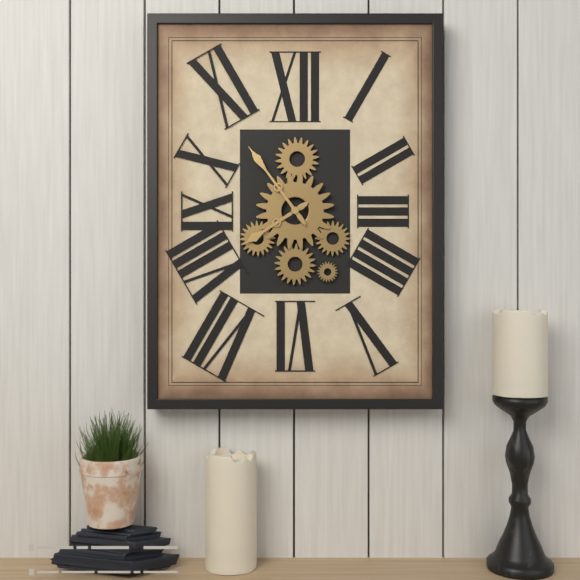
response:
h=7 m=54
